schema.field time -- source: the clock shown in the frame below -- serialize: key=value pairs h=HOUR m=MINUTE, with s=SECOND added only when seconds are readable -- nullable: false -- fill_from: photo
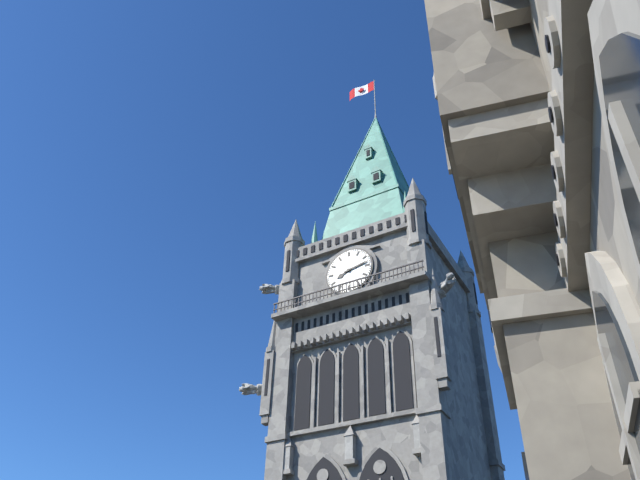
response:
h=8 m=13
